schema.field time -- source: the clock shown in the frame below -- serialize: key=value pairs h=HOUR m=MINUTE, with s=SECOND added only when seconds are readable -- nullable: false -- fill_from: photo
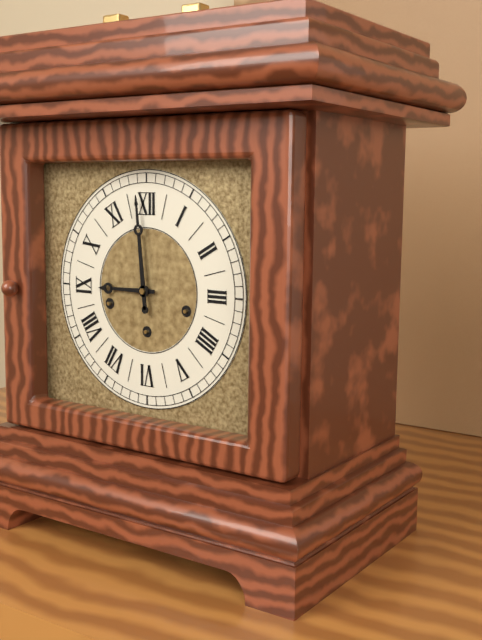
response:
h=8 m=59
